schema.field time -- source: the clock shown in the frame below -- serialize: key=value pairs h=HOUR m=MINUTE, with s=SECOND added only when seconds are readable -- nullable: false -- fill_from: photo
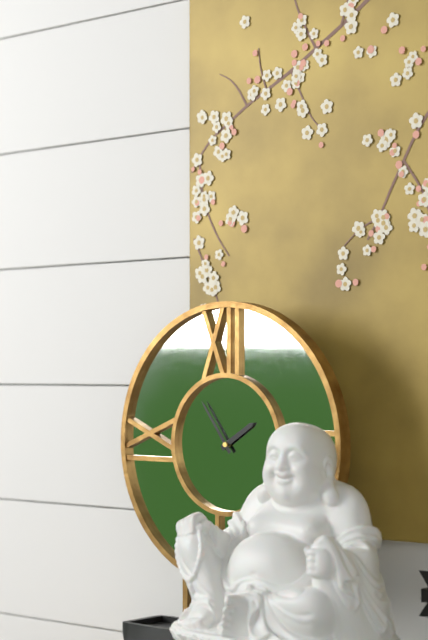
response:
h=1 m=54
